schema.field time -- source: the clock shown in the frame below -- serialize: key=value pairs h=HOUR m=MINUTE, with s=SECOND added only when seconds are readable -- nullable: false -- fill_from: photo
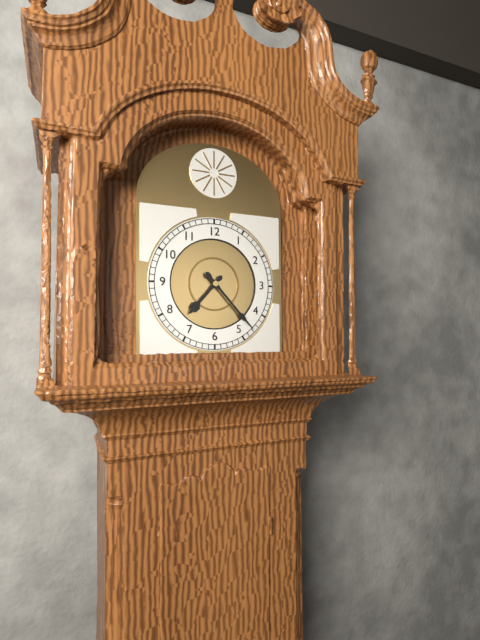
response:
h=7 m=23
